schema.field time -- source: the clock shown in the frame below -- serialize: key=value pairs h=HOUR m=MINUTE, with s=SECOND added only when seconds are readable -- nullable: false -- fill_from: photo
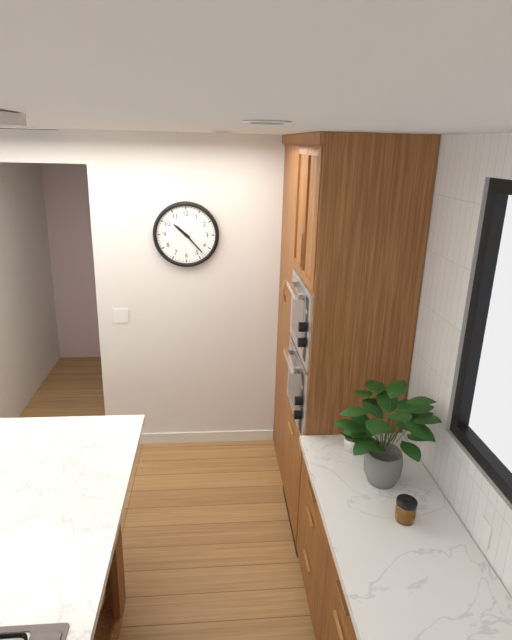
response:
h=10 m=23
